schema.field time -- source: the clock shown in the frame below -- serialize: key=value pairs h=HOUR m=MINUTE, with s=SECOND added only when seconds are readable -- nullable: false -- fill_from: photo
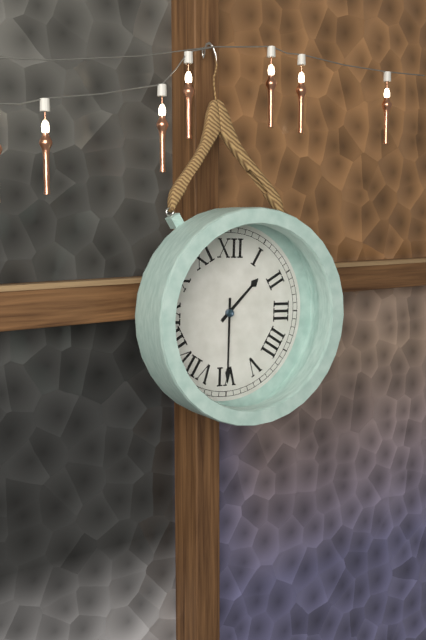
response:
h=1 m=30
